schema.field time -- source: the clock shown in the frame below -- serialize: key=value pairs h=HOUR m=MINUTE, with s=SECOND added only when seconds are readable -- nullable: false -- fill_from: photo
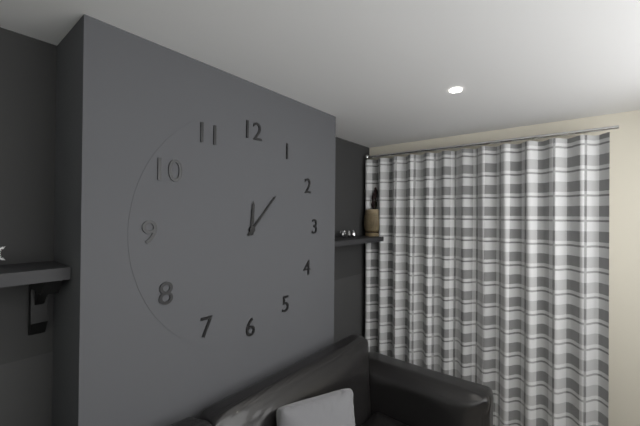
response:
h=12 m=7
